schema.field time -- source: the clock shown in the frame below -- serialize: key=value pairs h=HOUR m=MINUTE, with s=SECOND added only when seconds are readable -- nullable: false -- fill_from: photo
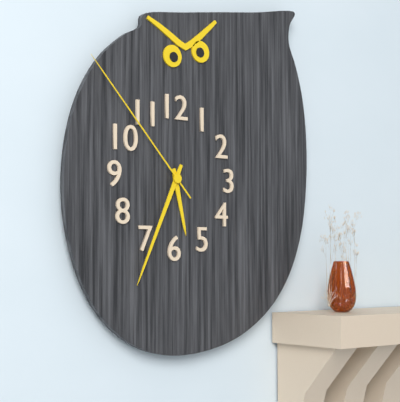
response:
h=5 m=34 s=53
